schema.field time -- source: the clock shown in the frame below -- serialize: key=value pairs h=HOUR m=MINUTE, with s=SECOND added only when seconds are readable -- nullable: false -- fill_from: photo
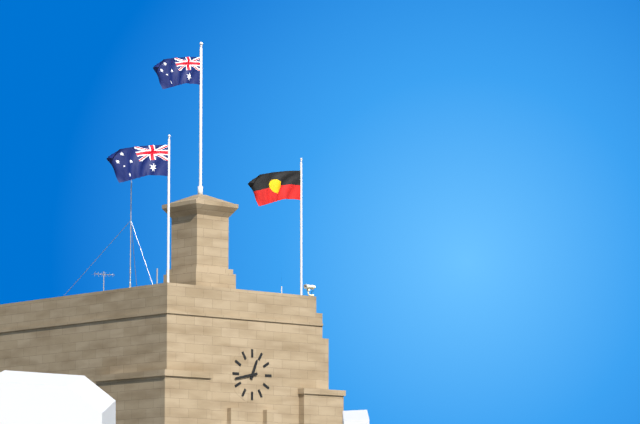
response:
h=12 m=43
